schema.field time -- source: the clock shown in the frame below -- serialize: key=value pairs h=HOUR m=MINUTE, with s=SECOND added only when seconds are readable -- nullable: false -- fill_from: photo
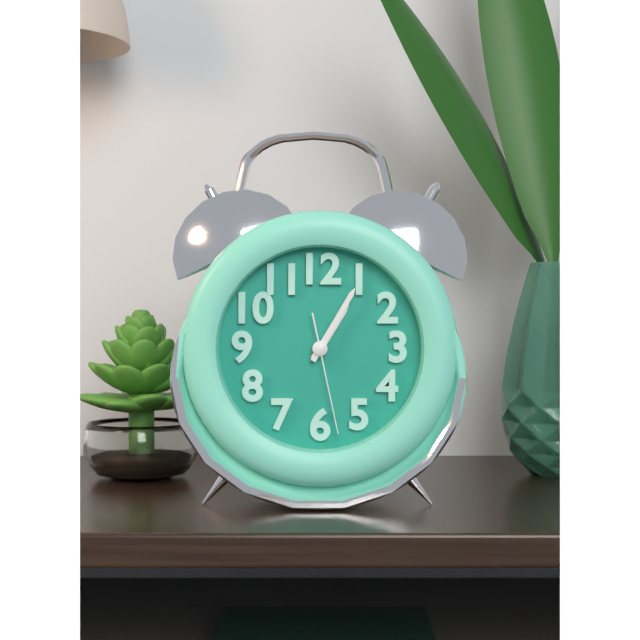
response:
h=1 m=5 s=28
